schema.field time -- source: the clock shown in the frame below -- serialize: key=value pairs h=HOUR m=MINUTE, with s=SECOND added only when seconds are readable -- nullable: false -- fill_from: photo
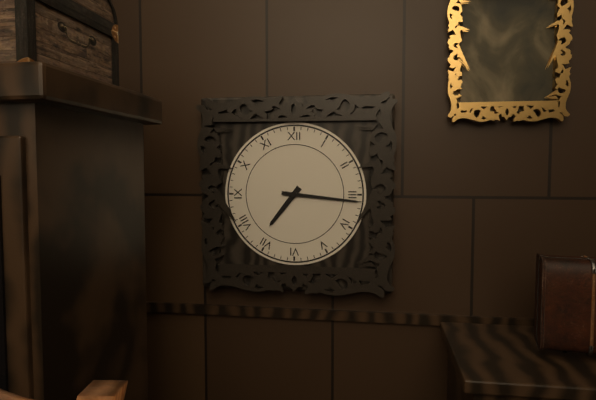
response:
h=7 m=16
